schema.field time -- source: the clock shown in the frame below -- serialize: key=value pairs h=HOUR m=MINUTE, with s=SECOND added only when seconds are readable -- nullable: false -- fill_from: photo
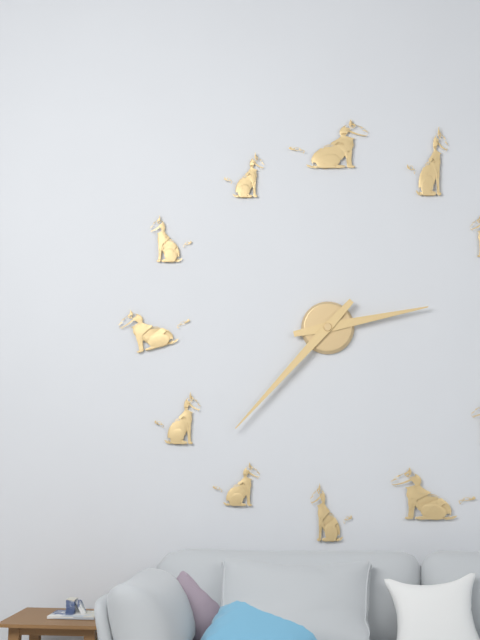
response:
h=2 m=37
